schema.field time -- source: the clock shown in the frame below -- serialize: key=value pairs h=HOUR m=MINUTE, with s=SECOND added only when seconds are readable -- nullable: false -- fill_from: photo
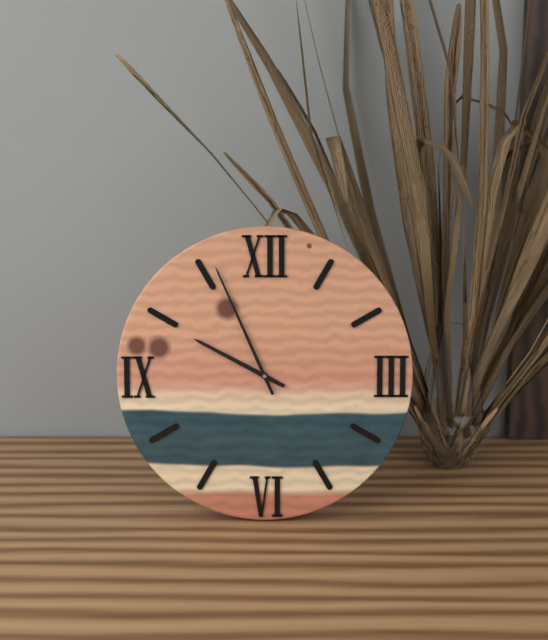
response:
h=9 m=56
